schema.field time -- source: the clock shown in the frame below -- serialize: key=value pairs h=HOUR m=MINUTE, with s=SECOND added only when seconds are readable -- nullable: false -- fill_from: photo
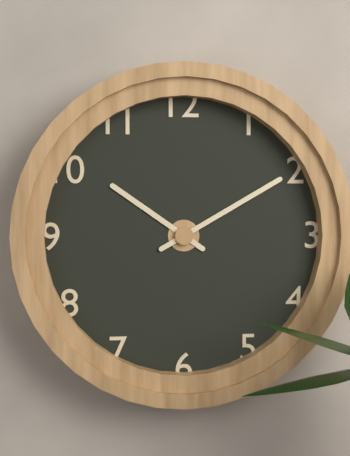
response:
h=10 m=10
